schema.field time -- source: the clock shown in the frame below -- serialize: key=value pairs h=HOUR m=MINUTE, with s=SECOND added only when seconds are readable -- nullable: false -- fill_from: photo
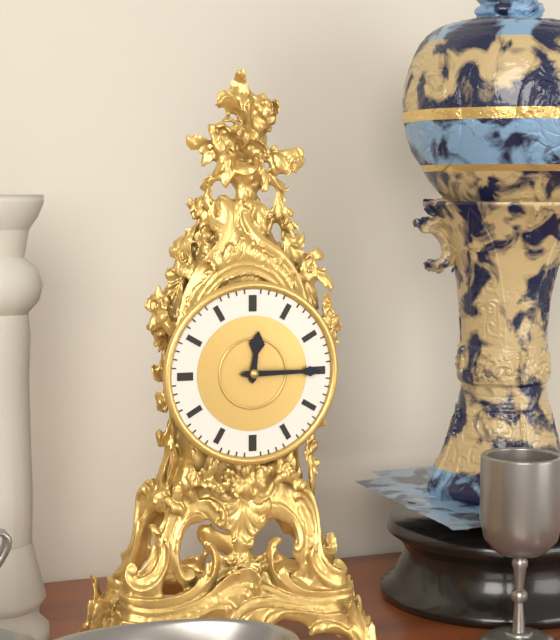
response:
h=12 m=15
